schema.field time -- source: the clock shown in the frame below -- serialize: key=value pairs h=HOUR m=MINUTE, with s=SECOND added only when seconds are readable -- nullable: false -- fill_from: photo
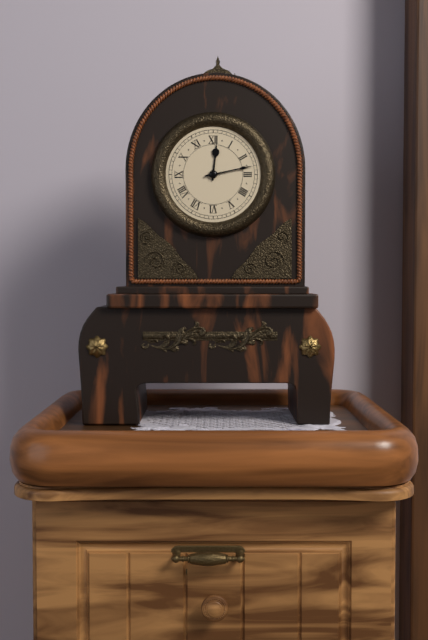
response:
h=12 m=13
